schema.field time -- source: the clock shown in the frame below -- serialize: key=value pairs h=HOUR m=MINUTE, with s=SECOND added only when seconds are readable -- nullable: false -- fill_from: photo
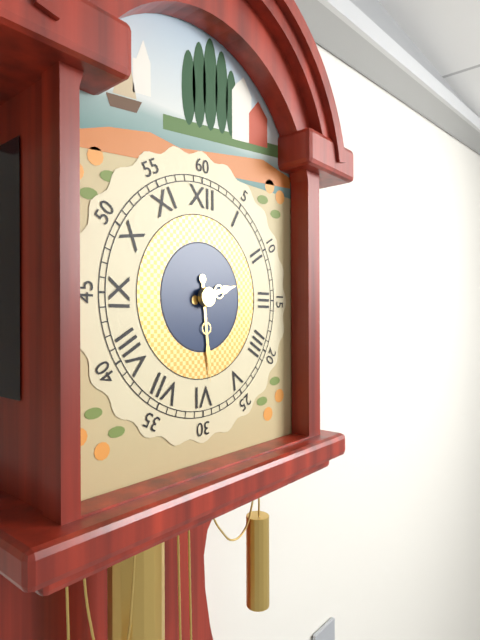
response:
h=2 m=29
